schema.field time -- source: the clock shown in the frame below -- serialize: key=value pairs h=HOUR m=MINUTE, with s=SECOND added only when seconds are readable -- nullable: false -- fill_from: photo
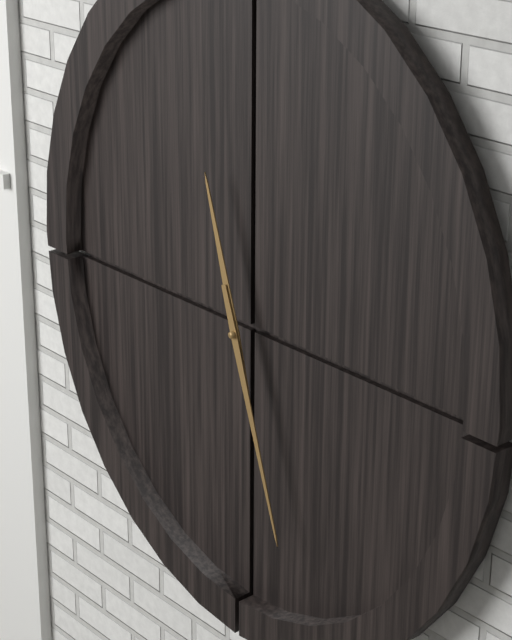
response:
h=11 m=27
